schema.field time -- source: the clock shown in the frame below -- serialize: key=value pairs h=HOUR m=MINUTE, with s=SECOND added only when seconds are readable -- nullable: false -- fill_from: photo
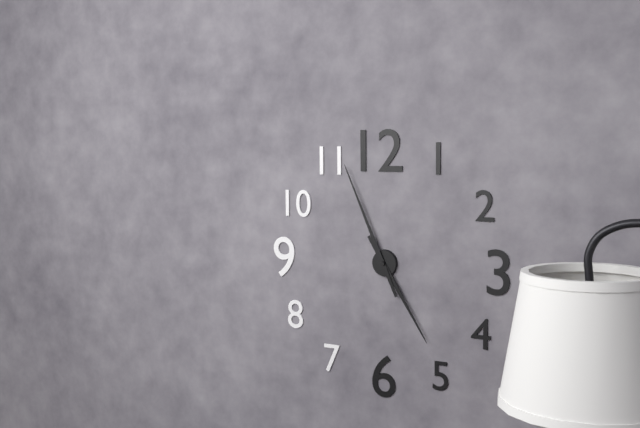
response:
h=4 m=56
